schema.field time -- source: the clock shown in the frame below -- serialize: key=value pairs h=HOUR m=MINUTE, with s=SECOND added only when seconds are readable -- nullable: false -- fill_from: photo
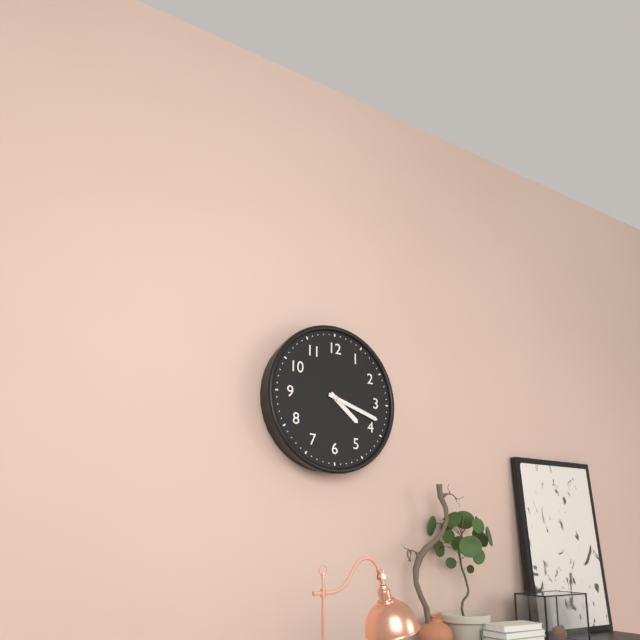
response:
h=4 m=18
